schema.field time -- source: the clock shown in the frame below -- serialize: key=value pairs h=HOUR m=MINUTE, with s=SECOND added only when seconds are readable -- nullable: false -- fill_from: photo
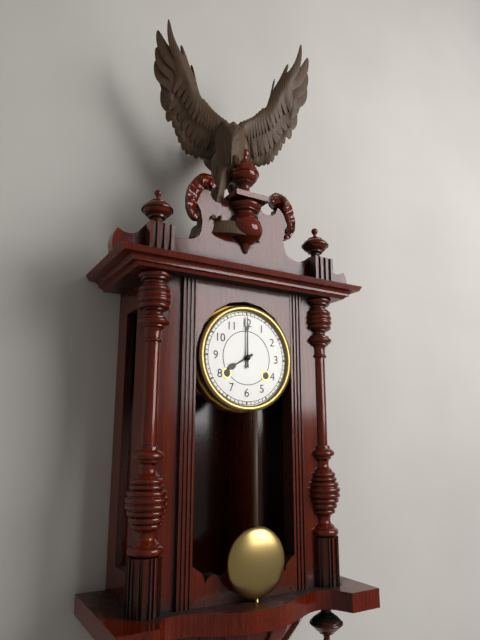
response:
h=8 m=0
